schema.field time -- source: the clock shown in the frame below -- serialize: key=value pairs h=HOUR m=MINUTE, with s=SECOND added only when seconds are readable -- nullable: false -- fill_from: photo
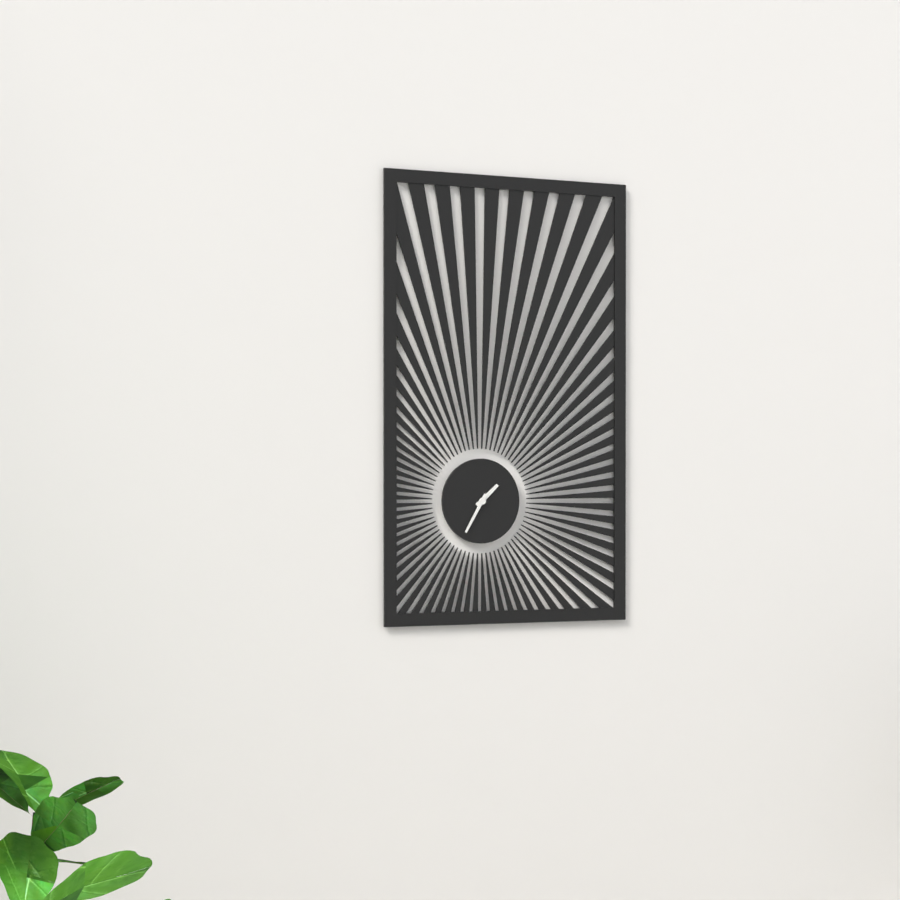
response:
h=1 m=35
